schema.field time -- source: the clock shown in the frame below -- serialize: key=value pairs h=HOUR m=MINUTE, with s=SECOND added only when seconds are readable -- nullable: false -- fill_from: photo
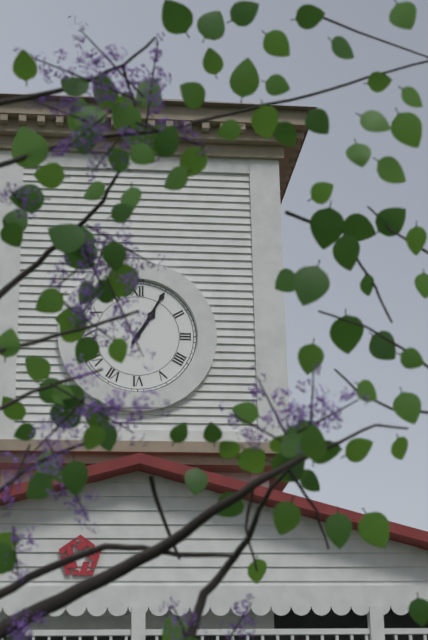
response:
h=1 m=5
